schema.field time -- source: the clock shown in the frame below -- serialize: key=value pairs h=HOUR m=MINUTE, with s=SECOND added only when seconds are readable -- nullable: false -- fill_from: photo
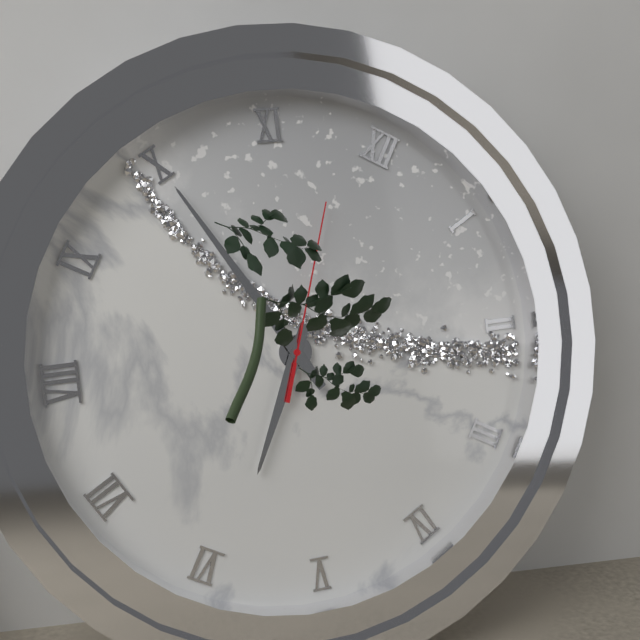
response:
h=5 m=50 s=58
